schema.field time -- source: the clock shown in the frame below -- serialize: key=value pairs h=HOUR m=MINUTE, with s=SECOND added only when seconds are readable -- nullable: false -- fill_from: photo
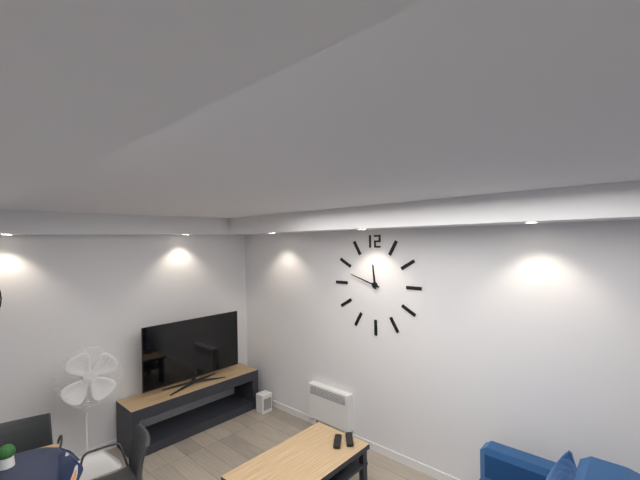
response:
h=11 m=48
